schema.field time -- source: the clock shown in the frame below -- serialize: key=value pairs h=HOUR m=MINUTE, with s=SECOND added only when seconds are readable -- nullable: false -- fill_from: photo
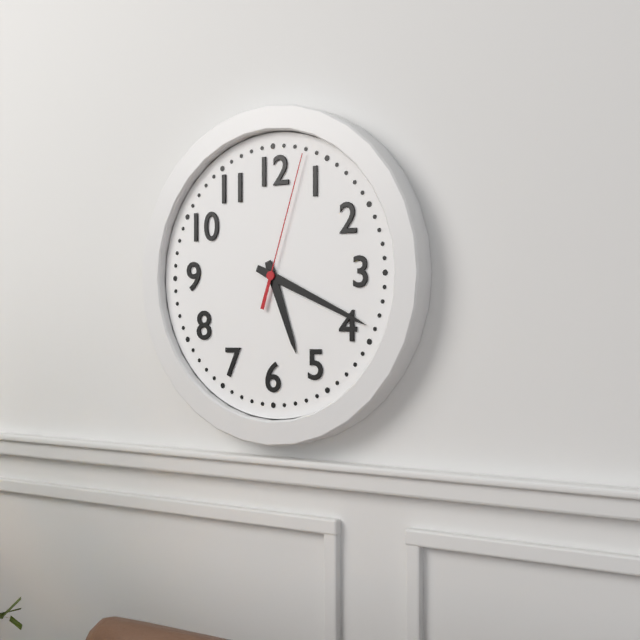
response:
h=5 m=19 s=3
